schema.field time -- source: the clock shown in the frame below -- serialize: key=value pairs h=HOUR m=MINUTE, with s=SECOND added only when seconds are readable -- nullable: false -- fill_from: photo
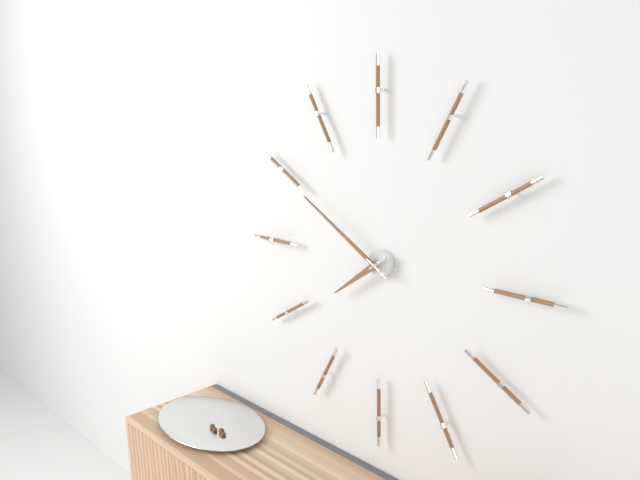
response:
h=7 m=50
